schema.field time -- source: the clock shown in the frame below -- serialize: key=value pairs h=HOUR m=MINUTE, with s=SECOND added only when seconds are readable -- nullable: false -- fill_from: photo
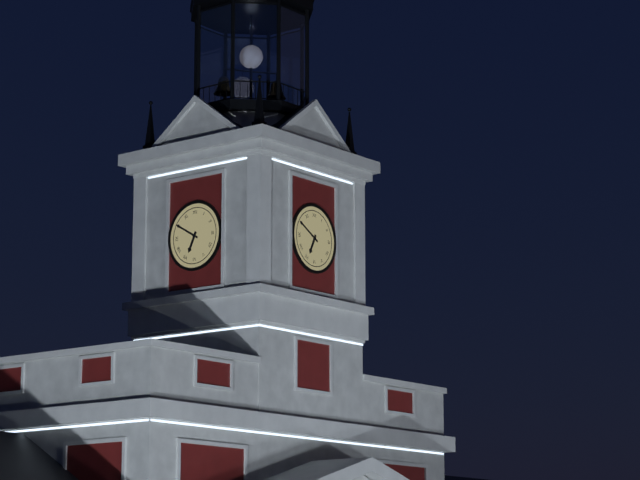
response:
h=6 m=50
